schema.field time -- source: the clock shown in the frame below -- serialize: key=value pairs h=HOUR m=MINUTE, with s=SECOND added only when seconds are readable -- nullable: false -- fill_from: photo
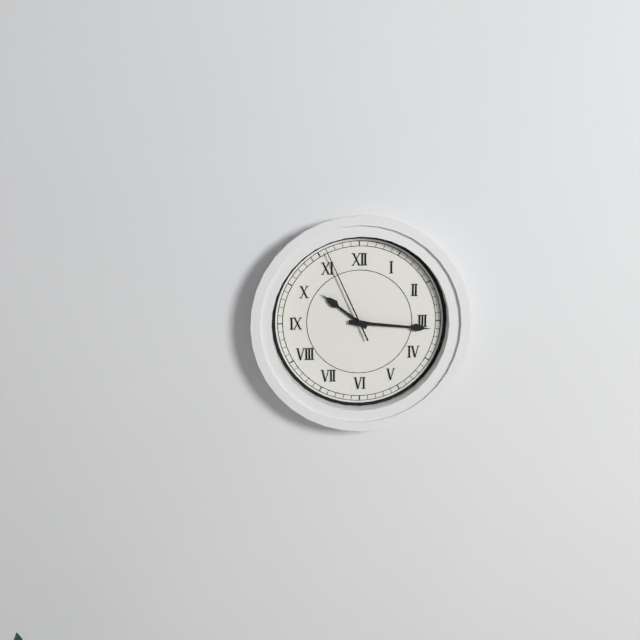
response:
h=10 m=16 s=56
